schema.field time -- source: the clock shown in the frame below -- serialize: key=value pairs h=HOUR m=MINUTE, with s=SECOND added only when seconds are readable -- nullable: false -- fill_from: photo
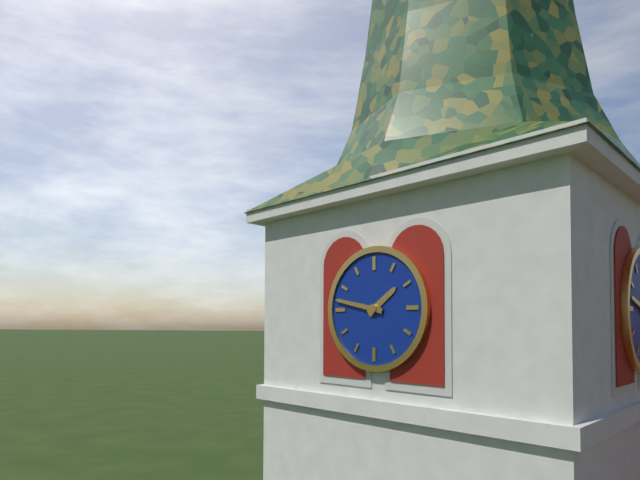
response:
h=1 m=47
